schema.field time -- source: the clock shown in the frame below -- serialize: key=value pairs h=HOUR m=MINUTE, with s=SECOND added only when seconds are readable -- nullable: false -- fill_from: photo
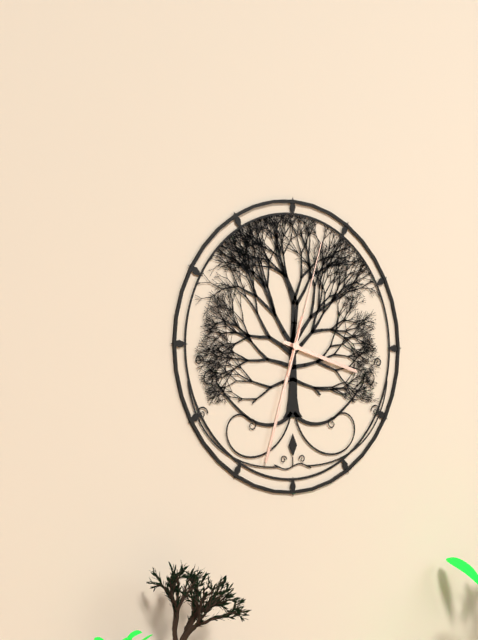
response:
h=3 m=33 s=3
